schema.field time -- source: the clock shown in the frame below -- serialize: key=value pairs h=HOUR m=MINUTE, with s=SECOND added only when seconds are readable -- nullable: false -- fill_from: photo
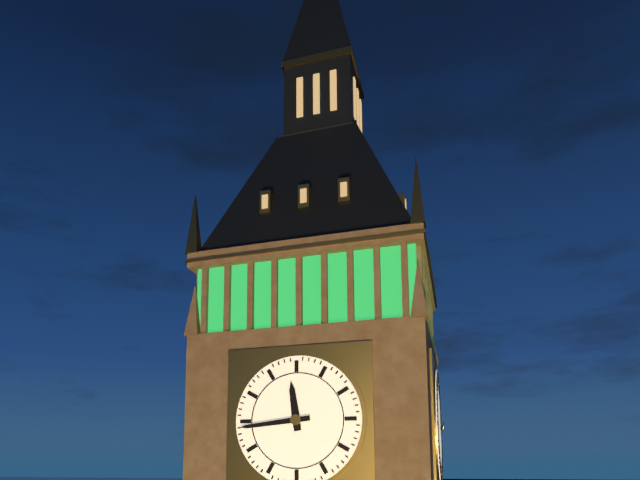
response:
h=11 m=44
